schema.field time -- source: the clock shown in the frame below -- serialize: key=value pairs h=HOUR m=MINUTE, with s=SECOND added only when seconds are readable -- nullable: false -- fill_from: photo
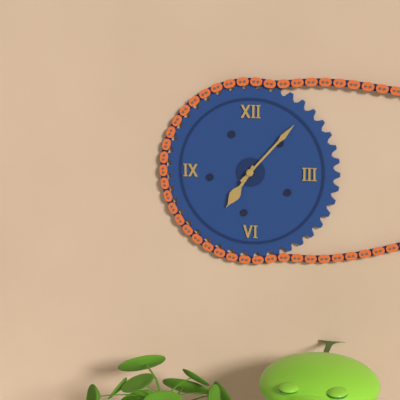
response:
h=7 m=7
